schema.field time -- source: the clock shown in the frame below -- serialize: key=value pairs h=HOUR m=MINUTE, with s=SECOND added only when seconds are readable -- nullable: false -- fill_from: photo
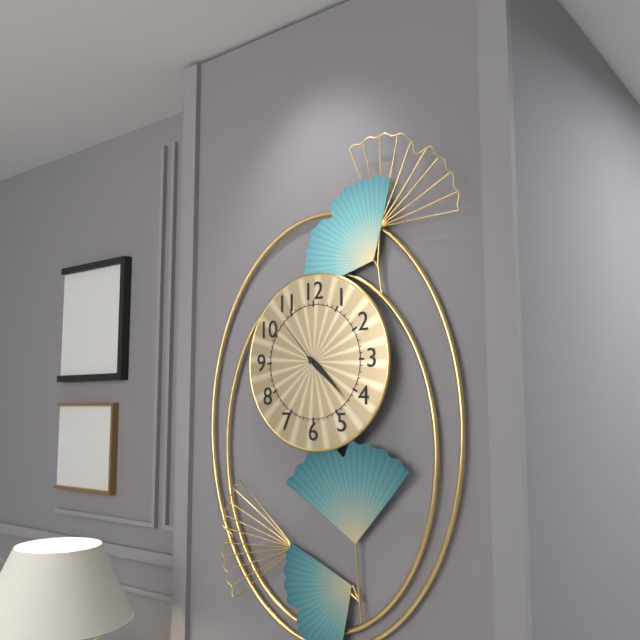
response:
h=4 m=22 s=53
